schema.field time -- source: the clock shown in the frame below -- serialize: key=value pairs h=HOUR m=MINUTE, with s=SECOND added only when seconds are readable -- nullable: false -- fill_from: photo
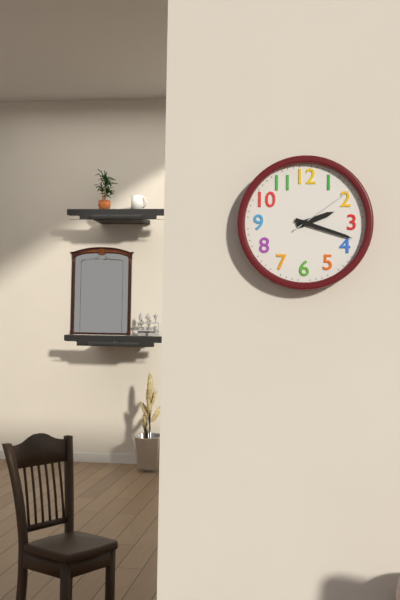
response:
h=2 m=18 s=9
